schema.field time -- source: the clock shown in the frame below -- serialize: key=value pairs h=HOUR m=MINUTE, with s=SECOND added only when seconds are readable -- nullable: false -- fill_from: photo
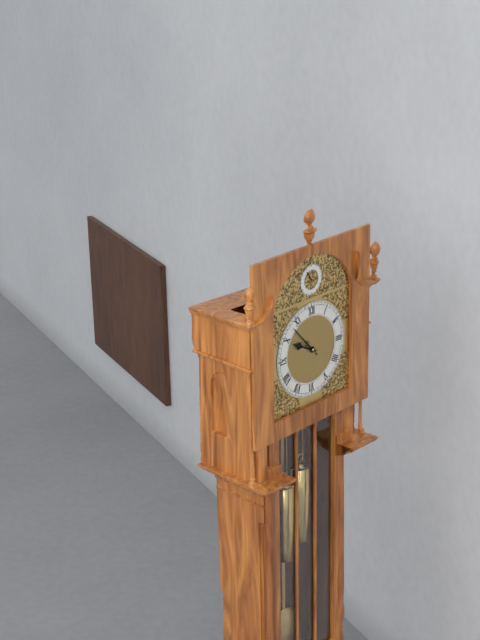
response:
h=9 m=53
